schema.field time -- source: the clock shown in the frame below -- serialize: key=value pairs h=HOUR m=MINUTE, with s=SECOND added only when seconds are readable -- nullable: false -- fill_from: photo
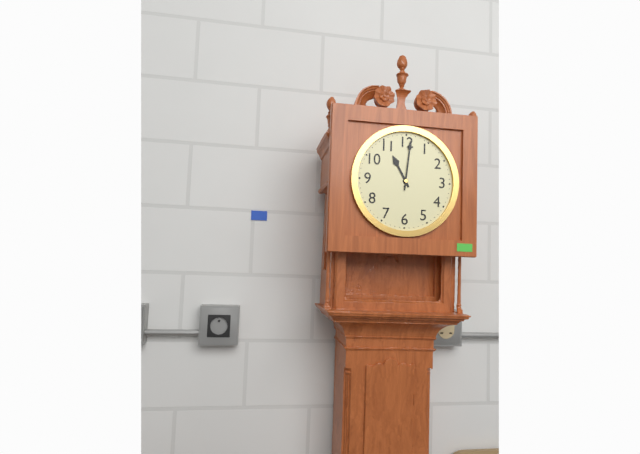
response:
h=11 m=1
